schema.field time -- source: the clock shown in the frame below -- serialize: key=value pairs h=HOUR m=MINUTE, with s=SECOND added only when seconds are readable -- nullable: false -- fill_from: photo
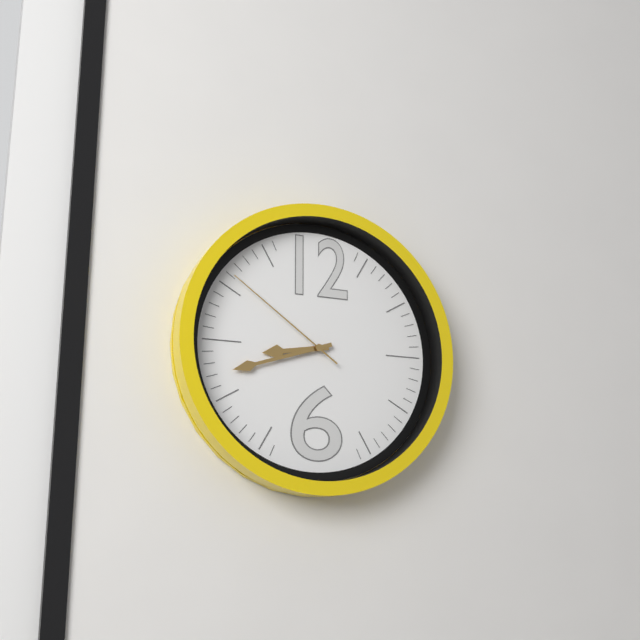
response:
h=8 m=42 s=51
